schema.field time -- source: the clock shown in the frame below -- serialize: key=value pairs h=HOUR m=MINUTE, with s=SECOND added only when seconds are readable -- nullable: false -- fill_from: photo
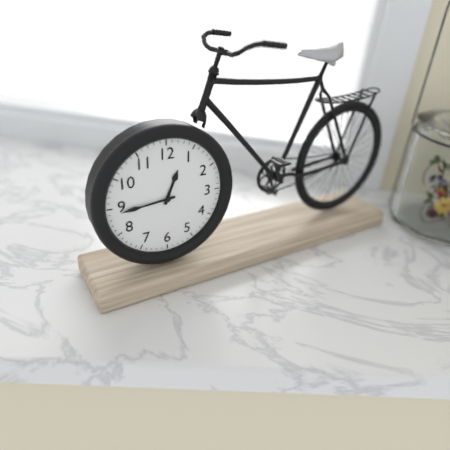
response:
h=12 m=44
